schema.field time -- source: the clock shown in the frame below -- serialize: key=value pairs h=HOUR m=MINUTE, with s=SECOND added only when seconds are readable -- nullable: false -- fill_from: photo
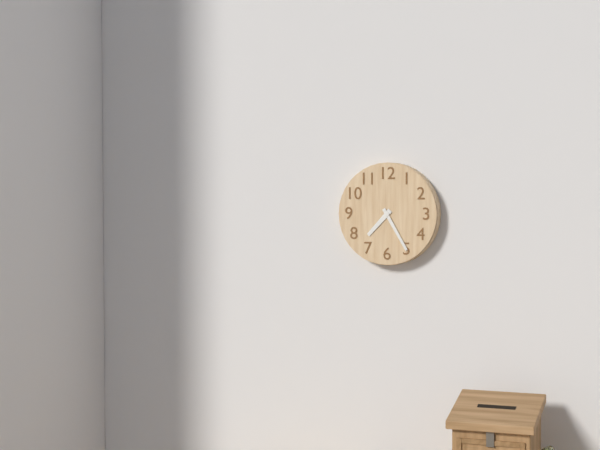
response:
h=7 m=25
